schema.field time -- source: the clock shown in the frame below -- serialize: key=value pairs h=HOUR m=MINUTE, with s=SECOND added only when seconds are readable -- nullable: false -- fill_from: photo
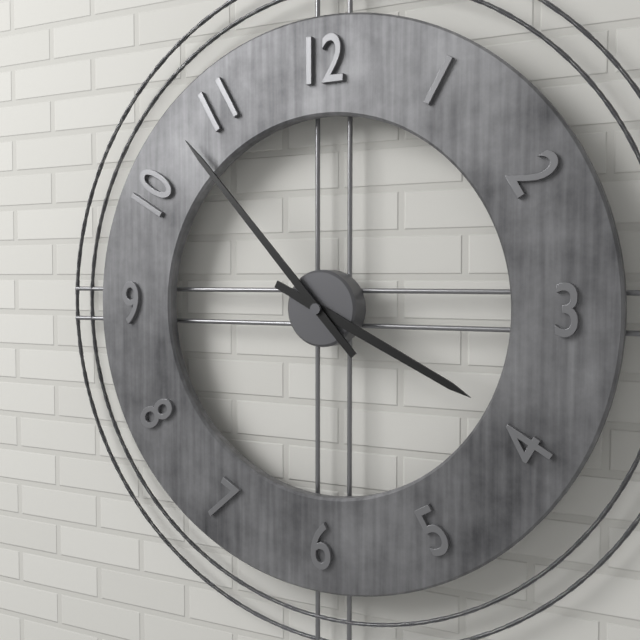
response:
h=3 m=53
